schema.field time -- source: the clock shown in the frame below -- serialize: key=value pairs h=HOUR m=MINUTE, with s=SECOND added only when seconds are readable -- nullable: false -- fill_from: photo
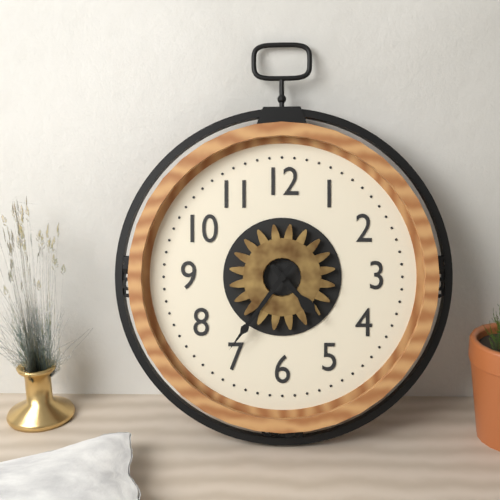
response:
h=4 m=36
